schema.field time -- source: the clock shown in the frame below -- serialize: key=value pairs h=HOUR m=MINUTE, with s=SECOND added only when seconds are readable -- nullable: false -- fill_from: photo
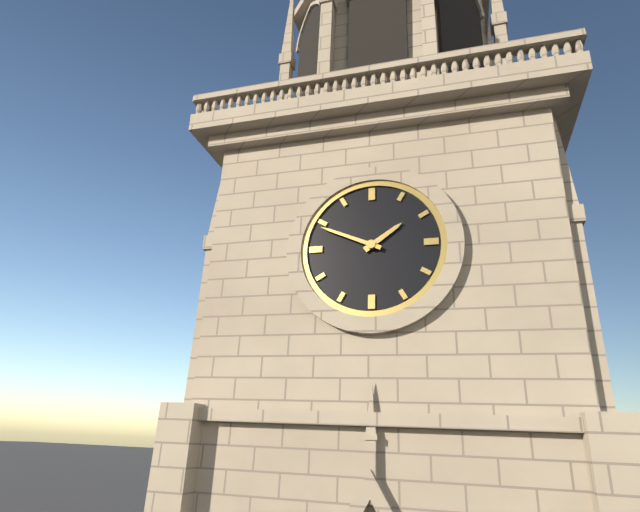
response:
h=1 m=49
